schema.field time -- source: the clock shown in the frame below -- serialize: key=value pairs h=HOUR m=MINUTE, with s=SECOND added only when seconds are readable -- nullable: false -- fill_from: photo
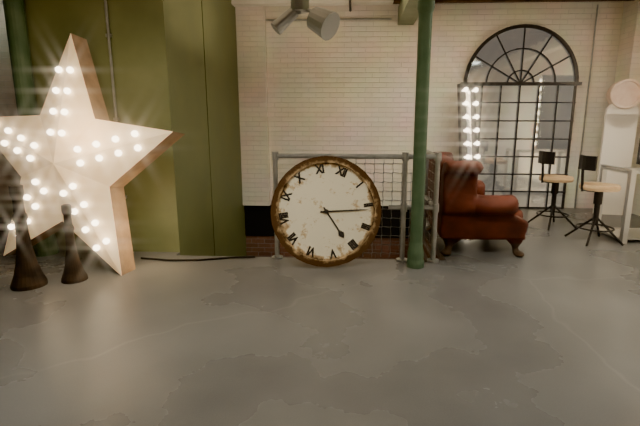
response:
h=4 m=11
